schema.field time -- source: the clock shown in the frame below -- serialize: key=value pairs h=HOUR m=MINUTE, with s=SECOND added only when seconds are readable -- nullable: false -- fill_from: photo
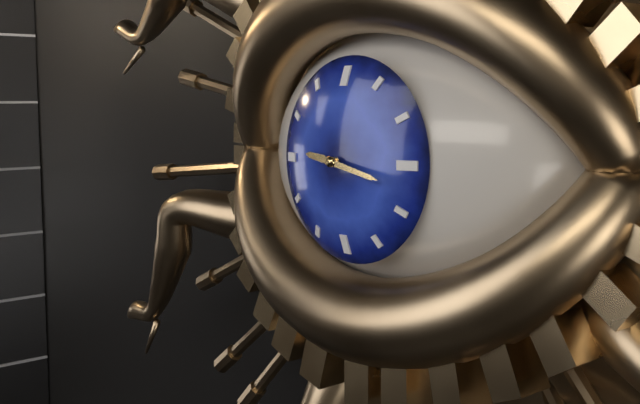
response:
h=9 m=17
